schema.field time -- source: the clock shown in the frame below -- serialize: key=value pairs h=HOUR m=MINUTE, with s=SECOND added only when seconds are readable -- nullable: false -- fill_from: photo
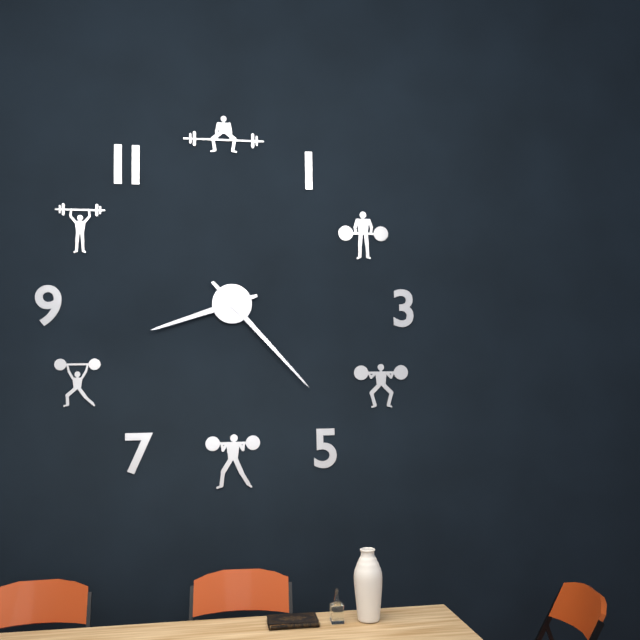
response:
h=8 m=23
